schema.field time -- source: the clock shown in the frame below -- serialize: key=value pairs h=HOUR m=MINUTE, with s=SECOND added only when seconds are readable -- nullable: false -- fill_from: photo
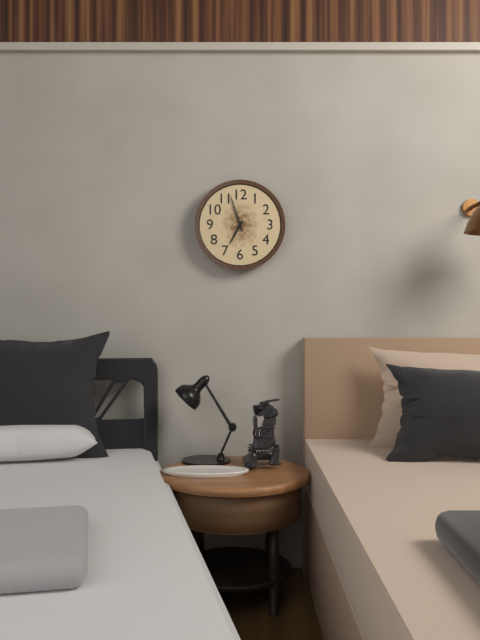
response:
h=6 m=57
